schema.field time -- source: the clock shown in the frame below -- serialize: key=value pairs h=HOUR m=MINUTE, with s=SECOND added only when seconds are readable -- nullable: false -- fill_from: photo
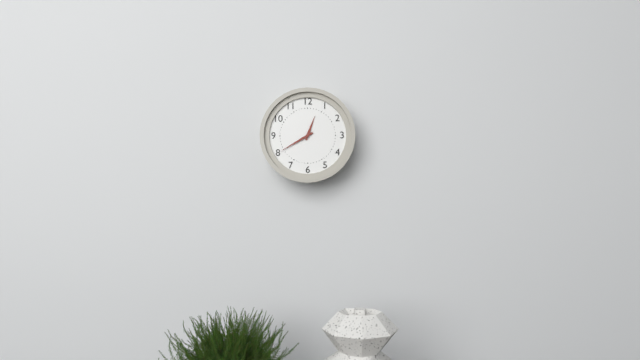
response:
h=12 m=40
